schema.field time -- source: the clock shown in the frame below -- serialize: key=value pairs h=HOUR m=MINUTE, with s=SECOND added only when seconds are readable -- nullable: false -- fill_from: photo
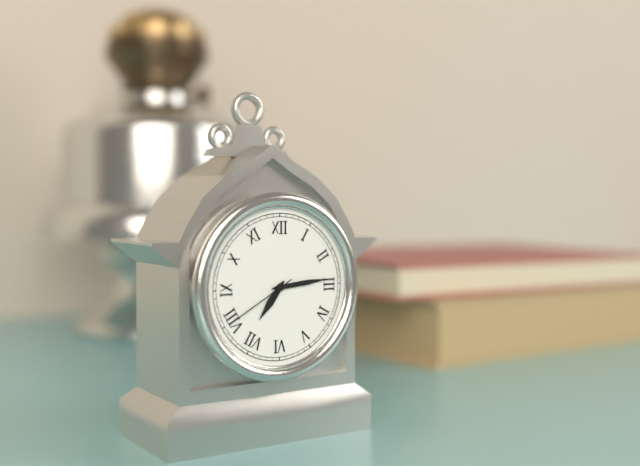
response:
h=7 m=14 s=40
